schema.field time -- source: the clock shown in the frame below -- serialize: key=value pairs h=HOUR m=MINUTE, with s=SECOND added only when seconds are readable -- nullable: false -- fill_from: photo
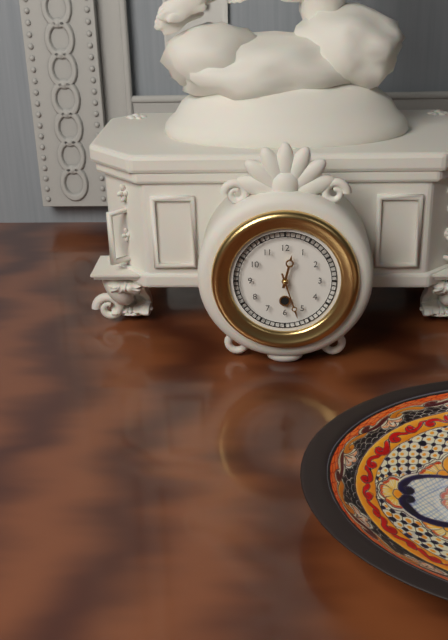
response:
h=12 m=27
